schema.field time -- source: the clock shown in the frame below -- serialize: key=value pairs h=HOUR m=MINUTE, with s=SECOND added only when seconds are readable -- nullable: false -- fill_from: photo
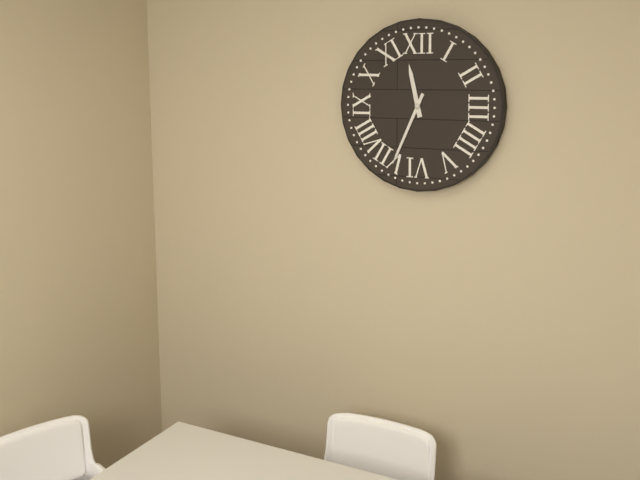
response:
h=11 m=34
